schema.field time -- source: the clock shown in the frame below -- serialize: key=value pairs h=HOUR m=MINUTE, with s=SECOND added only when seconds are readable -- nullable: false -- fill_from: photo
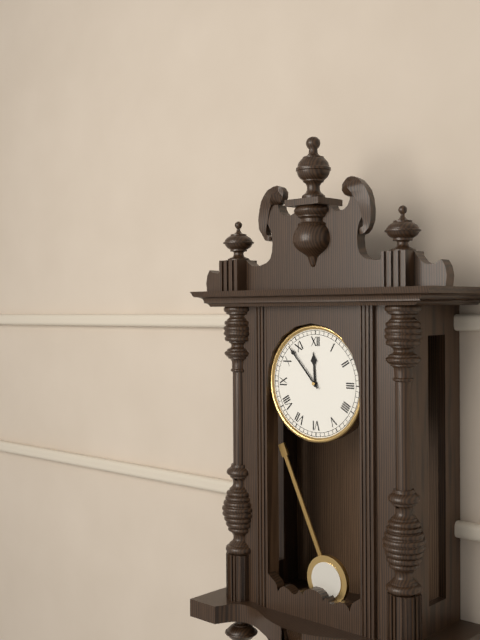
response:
h=11 m=53
